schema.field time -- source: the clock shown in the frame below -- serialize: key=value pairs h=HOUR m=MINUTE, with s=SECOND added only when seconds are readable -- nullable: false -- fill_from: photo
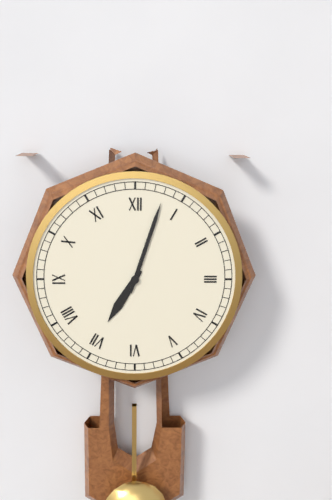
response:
h=7 m=3
